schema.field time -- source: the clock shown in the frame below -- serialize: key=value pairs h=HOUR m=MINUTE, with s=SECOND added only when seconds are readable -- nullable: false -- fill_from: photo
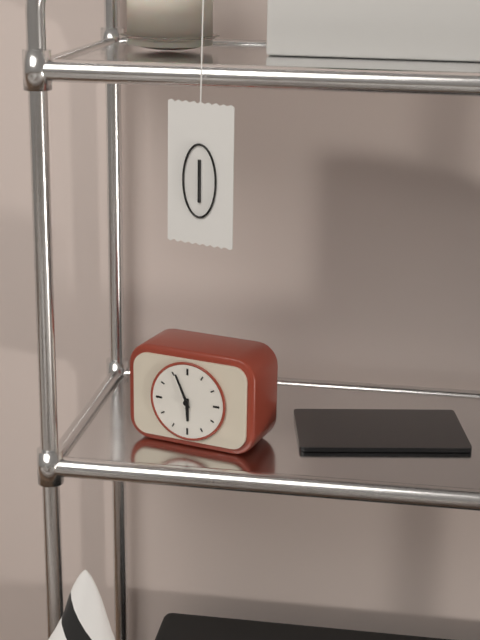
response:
h=5 m=56
